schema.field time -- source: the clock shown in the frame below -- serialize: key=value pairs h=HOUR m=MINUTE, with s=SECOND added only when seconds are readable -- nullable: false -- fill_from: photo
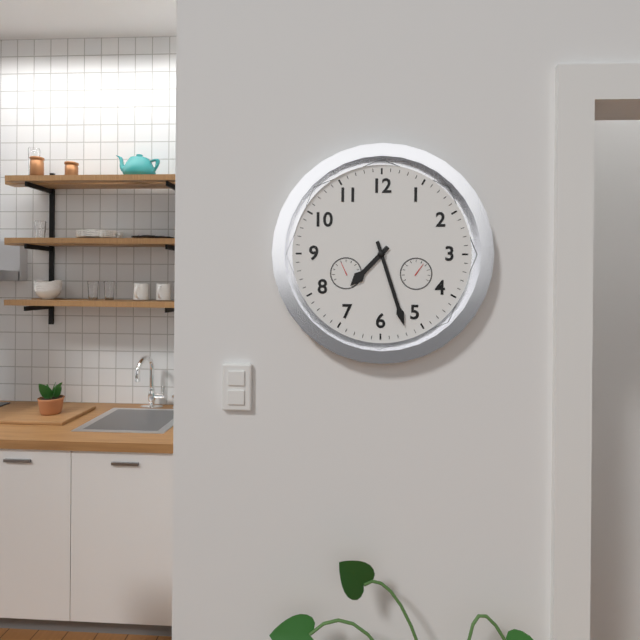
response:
h=7 m=27
